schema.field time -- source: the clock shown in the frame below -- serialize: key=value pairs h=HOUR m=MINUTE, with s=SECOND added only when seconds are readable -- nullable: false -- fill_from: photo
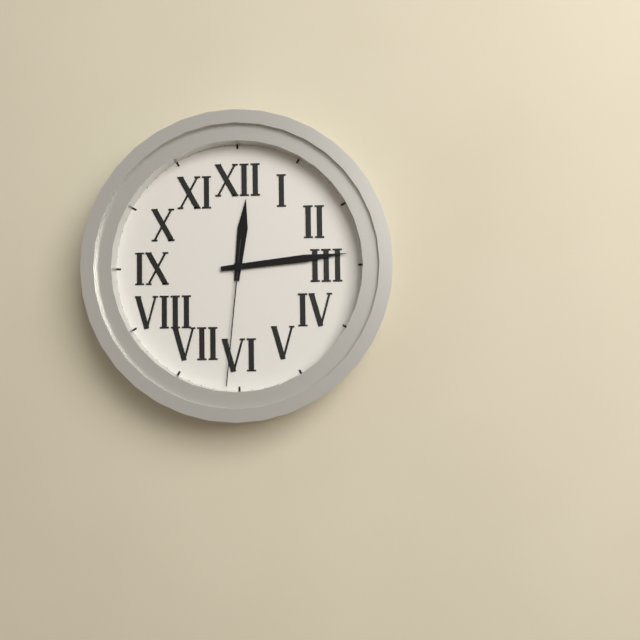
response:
h=12 m=14 s=31
